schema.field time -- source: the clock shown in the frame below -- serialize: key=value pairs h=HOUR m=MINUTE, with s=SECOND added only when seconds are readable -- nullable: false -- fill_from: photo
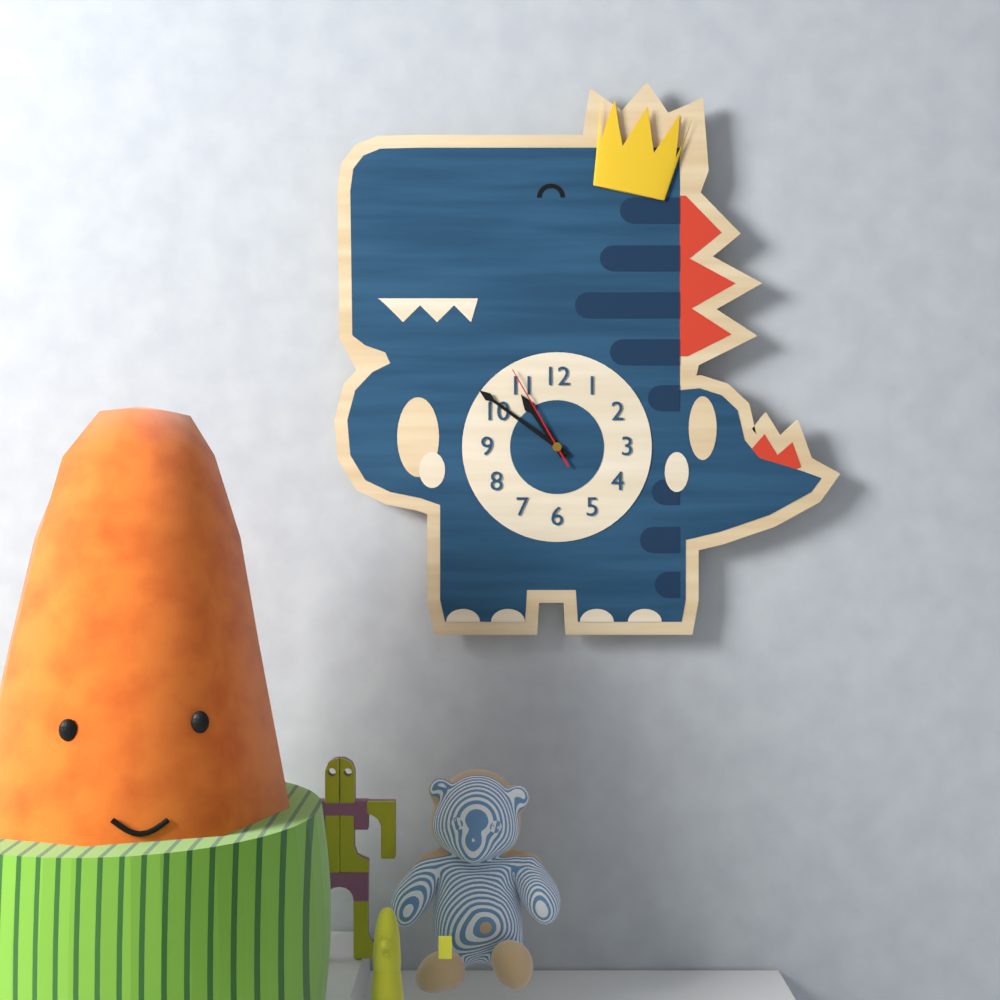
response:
h=10 m=51 s=55
